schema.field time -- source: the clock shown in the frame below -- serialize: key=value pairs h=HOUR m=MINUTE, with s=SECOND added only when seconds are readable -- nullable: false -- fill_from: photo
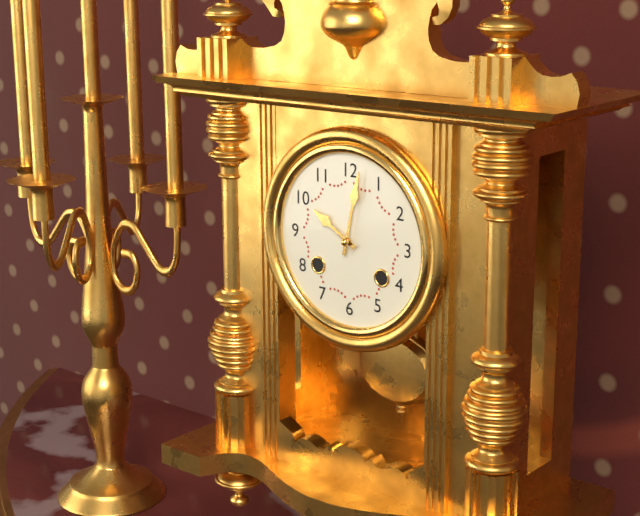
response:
h=10 m=2
